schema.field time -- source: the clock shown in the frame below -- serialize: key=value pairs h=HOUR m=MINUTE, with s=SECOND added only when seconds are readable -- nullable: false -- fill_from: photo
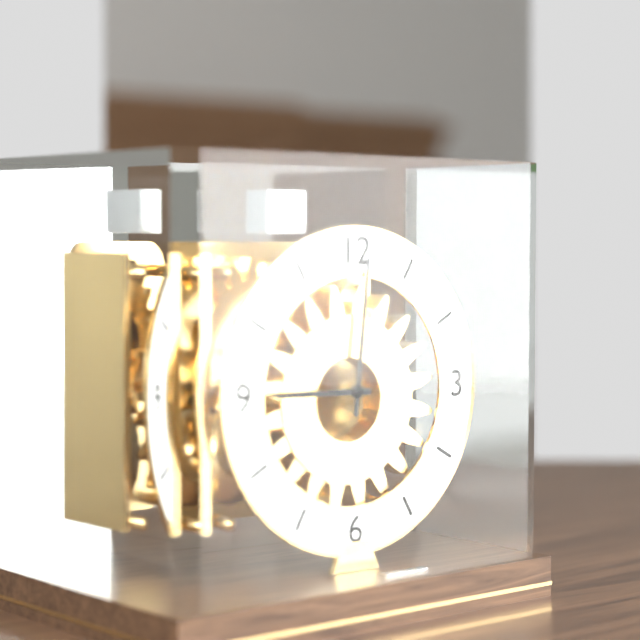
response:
h=9 m=1
